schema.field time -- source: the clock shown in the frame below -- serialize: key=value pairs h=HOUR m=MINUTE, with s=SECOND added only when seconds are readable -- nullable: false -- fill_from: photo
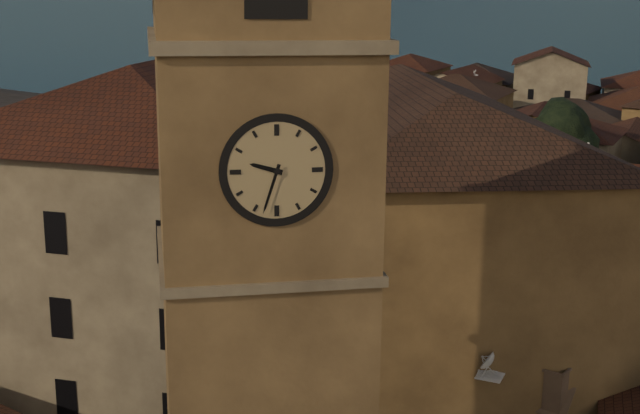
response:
h=9 m=33
